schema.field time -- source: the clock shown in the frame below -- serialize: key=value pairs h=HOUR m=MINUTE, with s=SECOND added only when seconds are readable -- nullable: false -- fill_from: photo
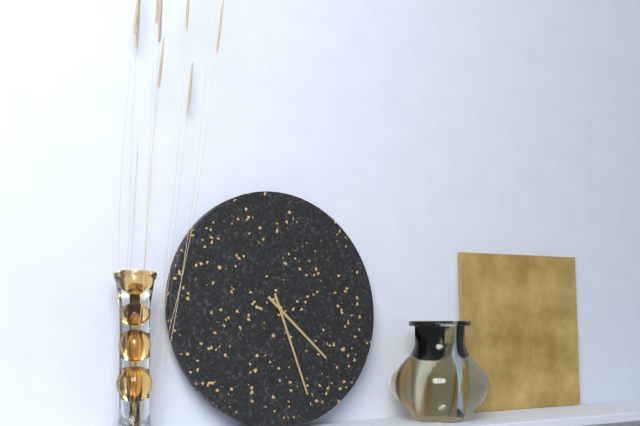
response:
h=4 m=27
